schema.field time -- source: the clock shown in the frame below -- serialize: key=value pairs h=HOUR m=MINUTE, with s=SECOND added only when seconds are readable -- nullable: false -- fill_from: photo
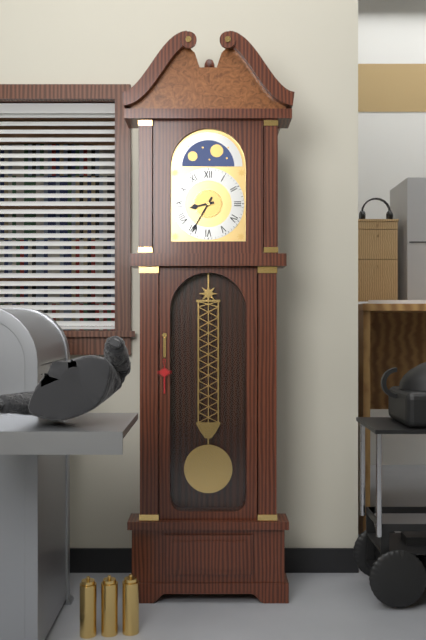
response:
h=8 m=35
